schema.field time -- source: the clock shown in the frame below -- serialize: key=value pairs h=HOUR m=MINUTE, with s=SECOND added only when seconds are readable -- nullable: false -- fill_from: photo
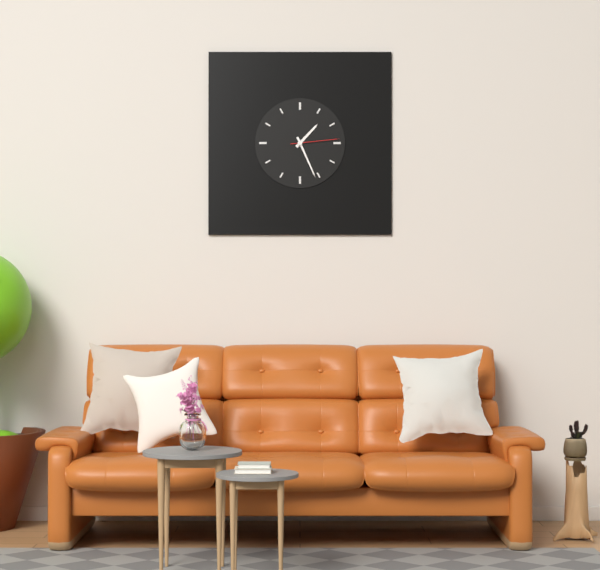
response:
h=1 m=26
